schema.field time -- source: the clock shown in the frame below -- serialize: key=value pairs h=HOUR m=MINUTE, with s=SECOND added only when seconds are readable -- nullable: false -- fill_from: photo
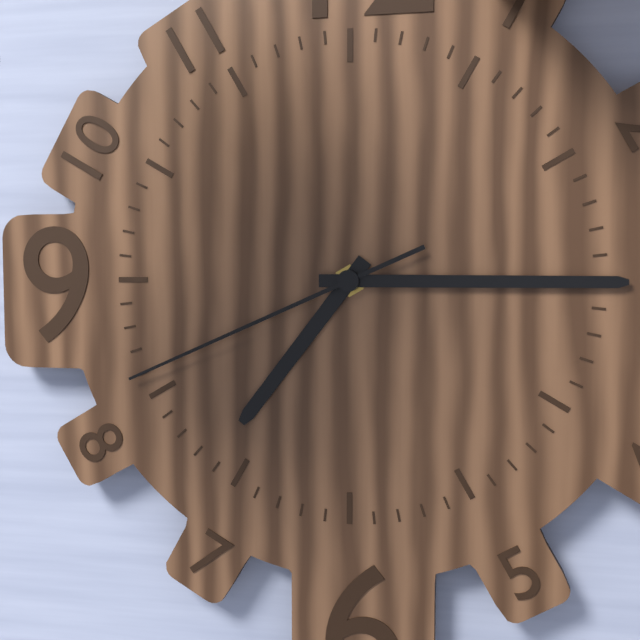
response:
h=7 m=15 s=41
